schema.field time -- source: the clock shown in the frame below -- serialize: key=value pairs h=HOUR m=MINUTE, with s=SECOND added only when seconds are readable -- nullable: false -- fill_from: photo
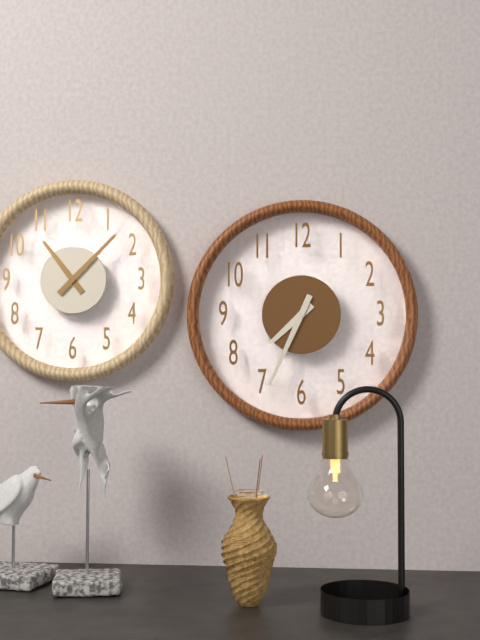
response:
h=7 m=34
